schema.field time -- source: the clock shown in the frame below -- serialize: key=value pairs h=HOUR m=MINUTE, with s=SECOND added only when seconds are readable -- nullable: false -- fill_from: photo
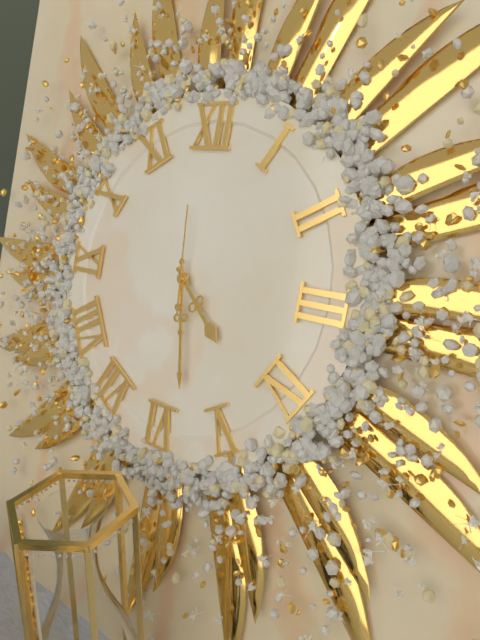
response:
h=4 m=28 s=59
